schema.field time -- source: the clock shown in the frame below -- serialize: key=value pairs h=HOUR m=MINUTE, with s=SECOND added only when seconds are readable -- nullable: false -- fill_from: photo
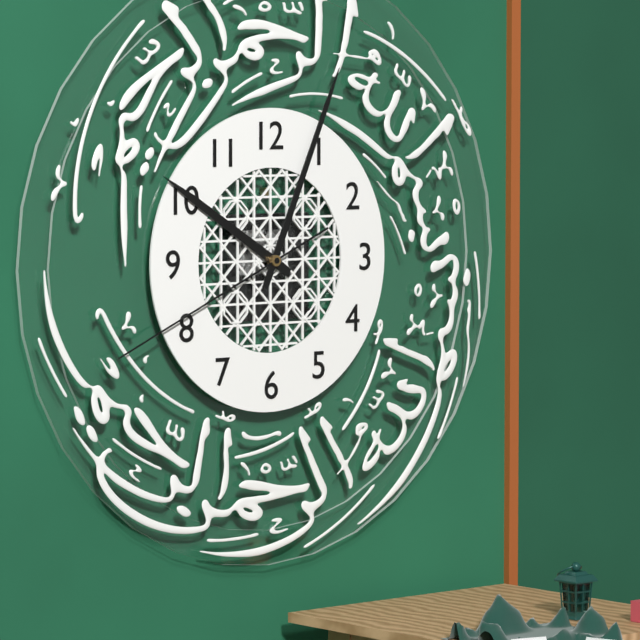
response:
h=10 m=4 s=41
